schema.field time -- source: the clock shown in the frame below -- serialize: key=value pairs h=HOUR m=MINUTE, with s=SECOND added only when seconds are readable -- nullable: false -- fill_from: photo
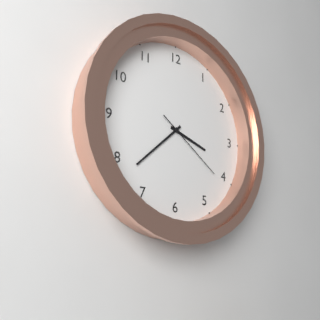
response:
h=3 m=38 s=21
